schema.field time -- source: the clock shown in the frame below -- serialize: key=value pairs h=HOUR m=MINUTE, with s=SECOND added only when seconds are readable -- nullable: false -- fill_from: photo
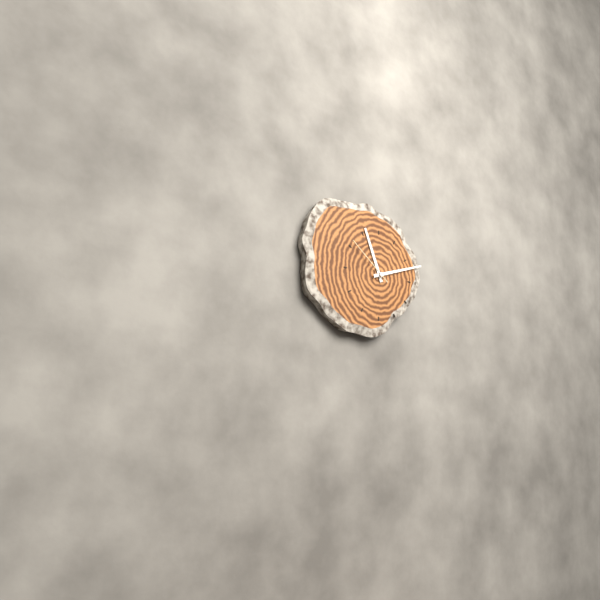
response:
h=11 m=12 s=51
